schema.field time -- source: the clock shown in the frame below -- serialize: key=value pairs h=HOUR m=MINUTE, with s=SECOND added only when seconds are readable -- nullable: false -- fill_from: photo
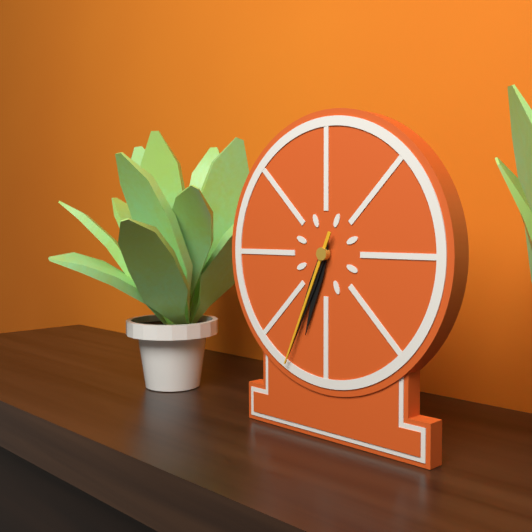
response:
h=6 m=34 s=34
